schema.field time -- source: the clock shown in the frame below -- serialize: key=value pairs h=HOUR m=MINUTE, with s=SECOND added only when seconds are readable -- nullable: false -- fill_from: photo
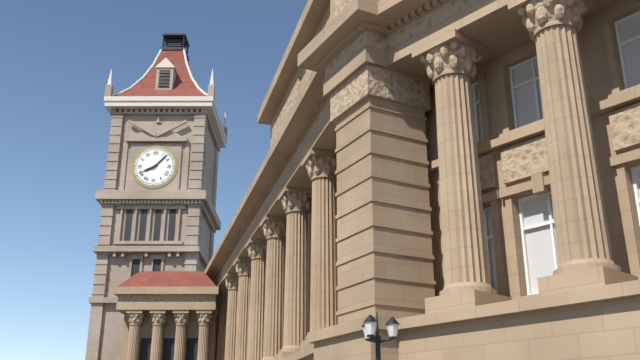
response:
h=8 m=7
